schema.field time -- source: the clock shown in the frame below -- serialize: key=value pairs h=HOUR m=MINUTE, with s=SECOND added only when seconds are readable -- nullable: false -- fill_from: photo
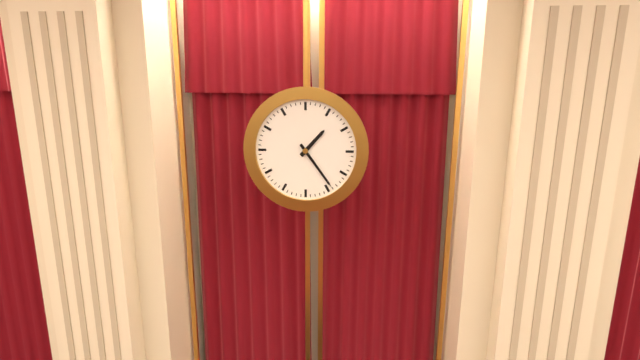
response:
h=1 m=24
